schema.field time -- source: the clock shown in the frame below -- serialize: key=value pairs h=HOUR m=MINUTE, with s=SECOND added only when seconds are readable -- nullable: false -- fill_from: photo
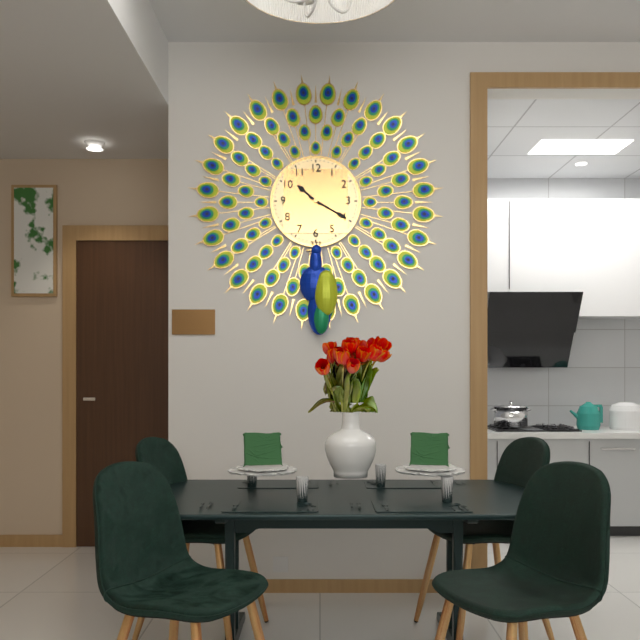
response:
h=10 m=20
